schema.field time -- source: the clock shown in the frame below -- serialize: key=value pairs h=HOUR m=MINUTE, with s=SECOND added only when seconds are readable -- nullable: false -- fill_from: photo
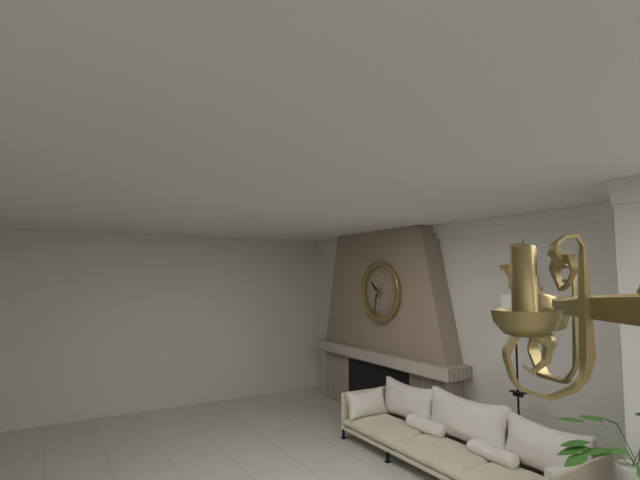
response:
h=10 m=32
